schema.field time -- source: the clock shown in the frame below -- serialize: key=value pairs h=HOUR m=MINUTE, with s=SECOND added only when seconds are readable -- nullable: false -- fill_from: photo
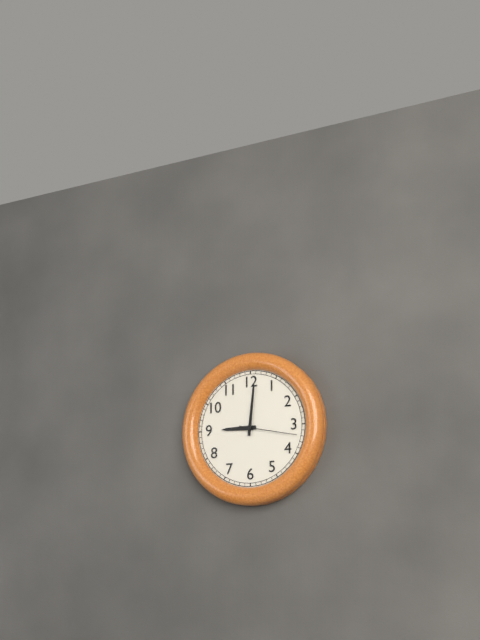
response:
h=9 m=1 s=17
